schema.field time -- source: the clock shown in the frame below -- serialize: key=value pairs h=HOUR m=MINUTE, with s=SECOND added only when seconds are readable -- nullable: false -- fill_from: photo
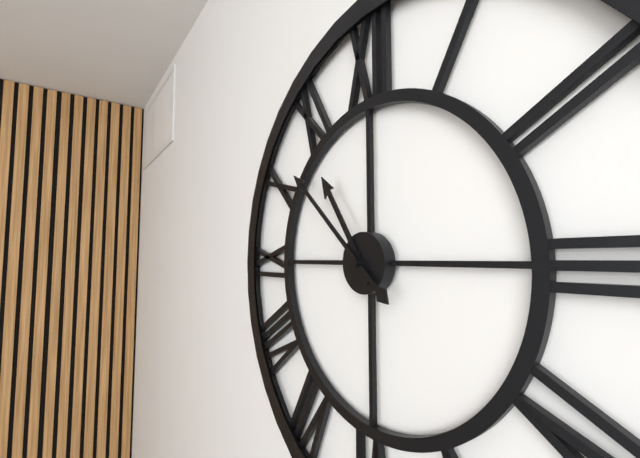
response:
h=10 m=52
